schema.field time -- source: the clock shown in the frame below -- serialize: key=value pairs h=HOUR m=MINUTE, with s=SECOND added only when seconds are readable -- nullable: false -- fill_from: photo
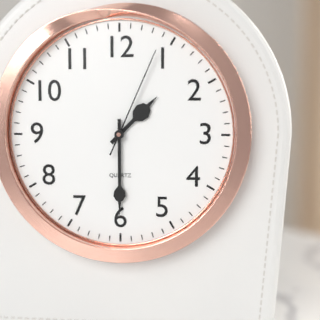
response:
h=1 m=30 s=4
